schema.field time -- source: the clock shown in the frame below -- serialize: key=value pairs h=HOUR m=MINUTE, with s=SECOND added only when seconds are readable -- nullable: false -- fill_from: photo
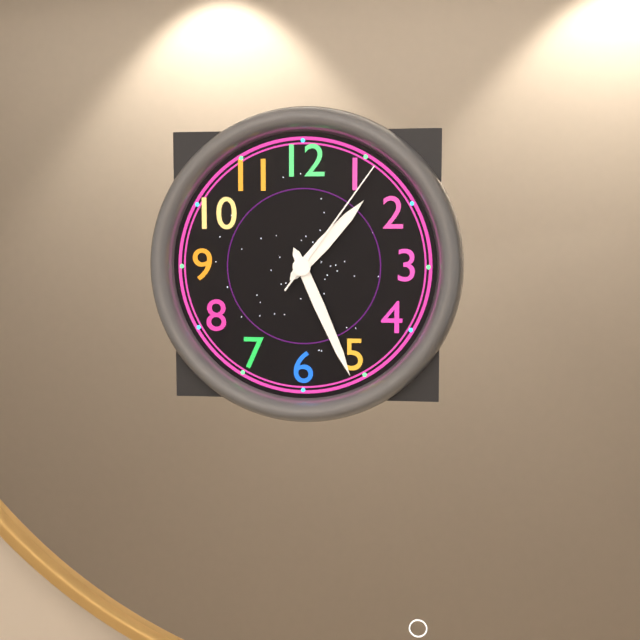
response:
h=1 m=26 s=6
